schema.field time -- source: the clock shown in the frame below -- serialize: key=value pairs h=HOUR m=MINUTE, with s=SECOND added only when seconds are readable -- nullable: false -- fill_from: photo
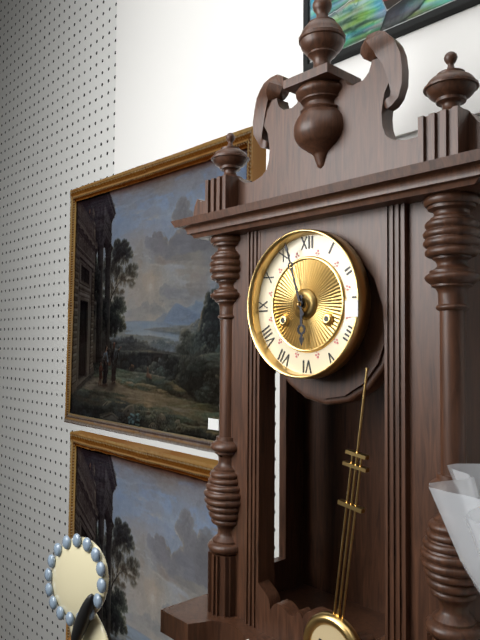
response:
h=5 m=57
